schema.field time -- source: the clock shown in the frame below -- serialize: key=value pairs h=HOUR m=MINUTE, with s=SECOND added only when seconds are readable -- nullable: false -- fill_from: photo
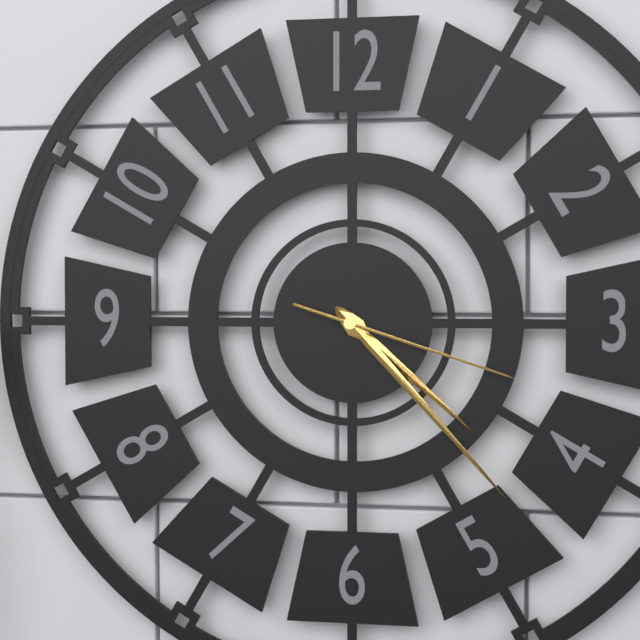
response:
h=4 m=23 s=18
